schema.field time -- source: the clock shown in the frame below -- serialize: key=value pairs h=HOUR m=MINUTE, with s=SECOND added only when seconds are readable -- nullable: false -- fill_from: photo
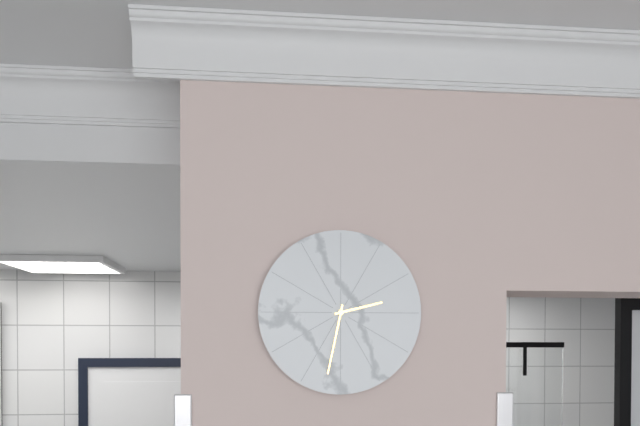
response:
h=2 m=32
